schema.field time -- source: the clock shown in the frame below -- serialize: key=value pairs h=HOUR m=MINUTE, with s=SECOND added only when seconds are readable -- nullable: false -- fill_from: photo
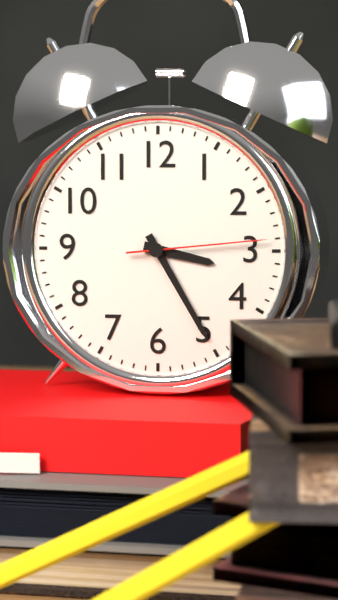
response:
h=3 m=25 s=14
